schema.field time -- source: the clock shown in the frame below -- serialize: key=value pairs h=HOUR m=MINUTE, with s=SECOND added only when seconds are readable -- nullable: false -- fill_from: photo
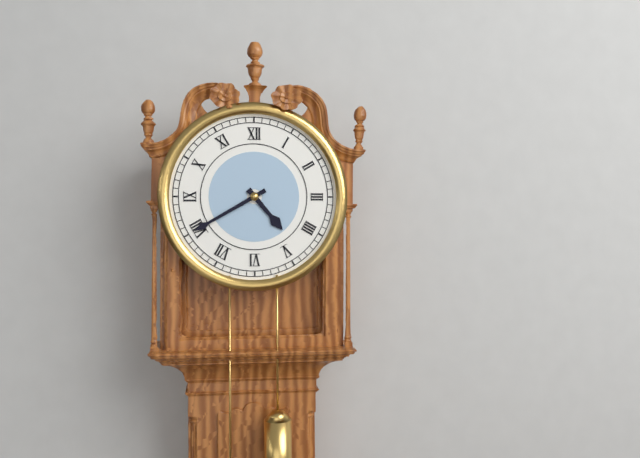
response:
h=4 m=40
